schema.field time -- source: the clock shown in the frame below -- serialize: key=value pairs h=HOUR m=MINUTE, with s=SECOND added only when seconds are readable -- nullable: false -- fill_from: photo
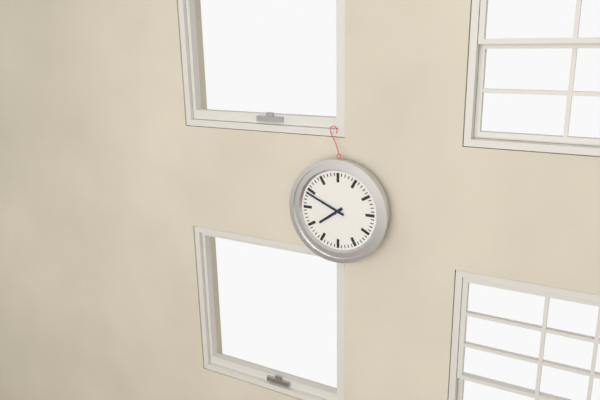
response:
h=7 m=49
